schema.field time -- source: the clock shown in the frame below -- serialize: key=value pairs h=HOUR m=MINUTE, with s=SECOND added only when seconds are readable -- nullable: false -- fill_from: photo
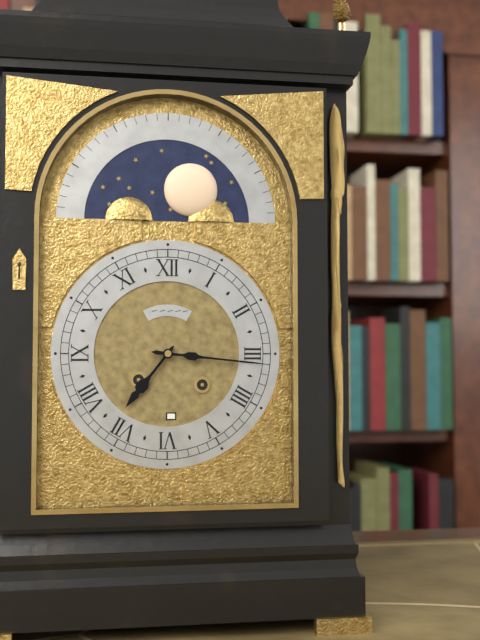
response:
h=7 m=16
